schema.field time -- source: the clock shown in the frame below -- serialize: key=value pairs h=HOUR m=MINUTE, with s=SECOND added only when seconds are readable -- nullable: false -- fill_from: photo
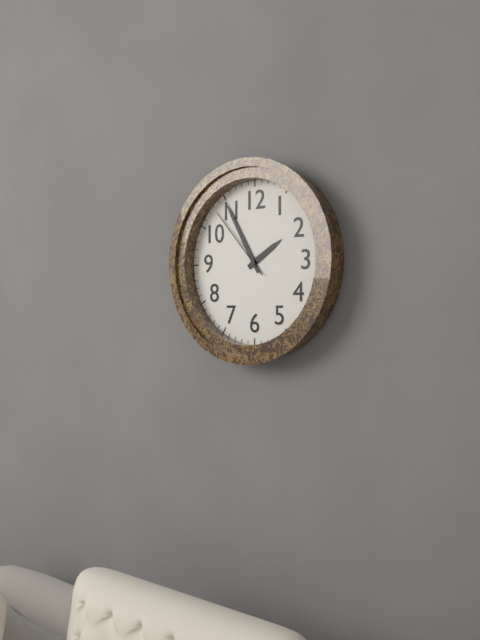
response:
h=1 m=55 s=53
